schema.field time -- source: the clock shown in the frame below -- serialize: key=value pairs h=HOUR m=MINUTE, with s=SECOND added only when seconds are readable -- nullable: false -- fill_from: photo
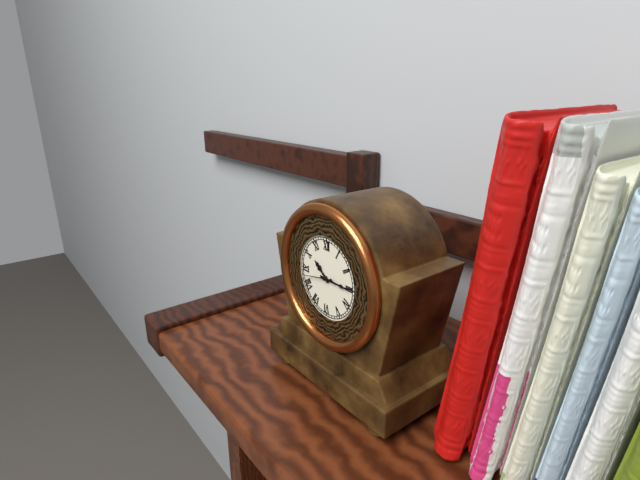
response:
h=10 m=15
